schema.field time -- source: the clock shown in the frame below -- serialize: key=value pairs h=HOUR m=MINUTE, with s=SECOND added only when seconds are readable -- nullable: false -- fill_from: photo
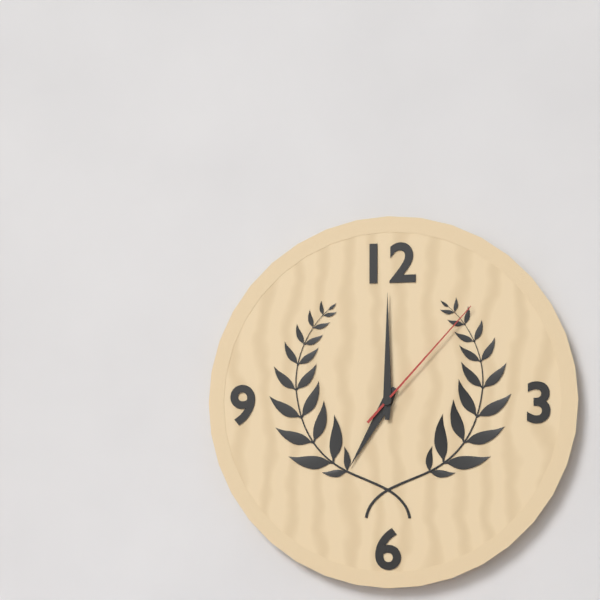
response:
h=7 m=0 s=7
